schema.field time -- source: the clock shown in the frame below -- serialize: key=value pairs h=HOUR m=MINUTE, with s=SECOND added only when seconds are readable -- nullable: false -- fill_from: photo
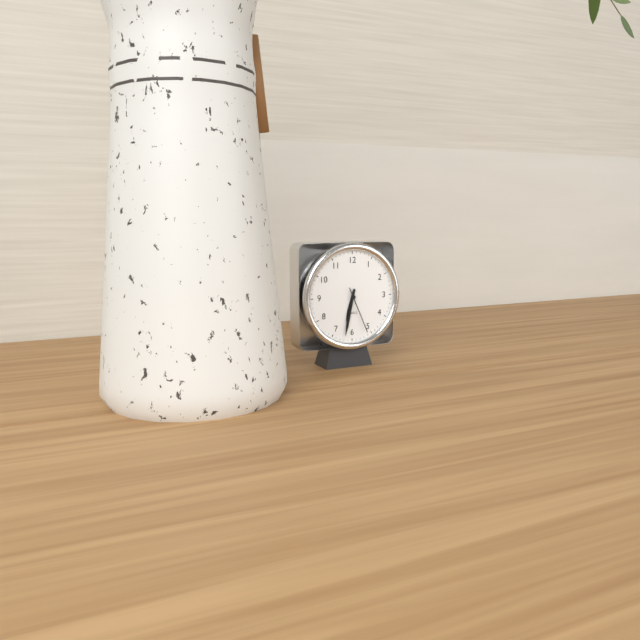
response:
h=6 m=32
